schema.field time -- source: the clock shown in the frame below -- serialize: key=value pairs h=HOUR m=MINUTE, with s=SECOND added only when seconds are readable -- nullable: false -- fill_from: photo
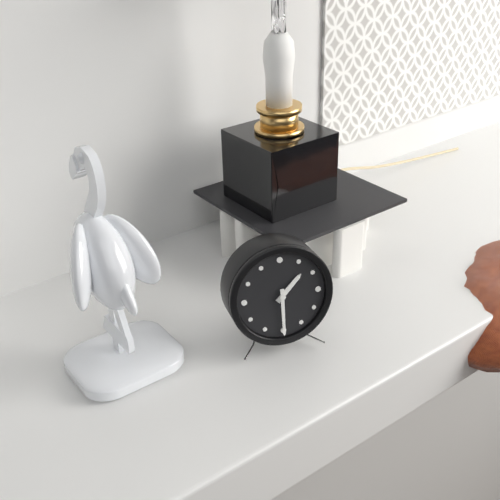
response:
h=1 m=30
